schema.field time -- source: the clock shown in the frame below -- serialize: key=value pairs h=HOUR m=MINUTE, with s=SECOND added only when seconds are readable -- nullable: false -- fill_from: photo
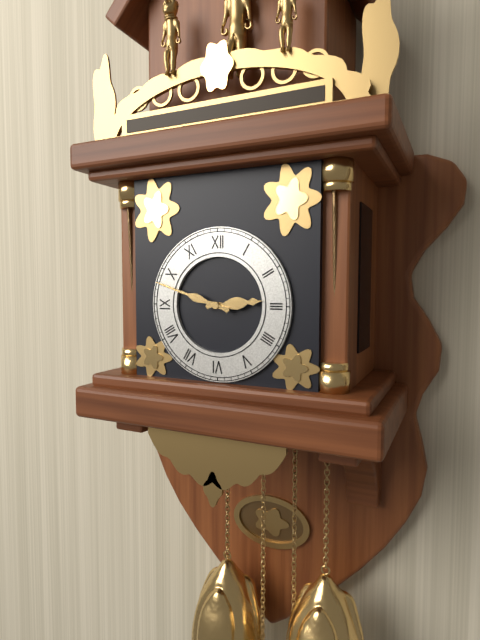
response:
h=2 m=48
